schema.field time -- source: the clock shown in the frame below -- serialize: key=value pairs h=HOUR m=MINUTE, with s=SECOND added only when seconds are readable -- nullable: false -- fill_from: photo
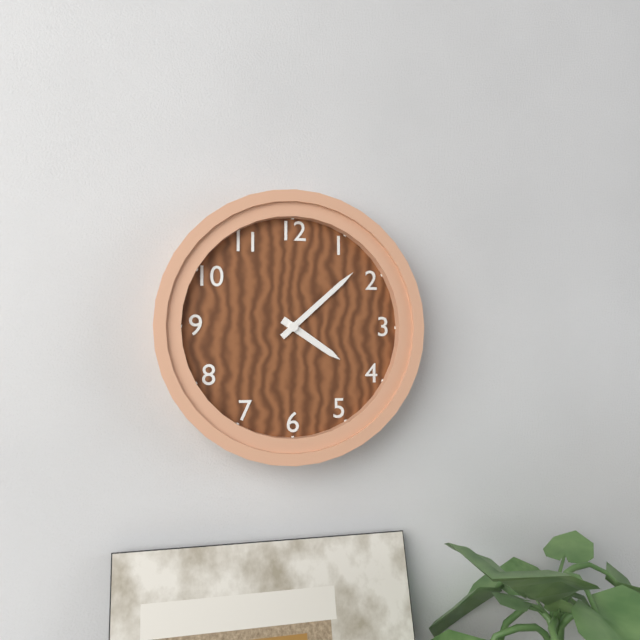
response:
h=4 m=8
